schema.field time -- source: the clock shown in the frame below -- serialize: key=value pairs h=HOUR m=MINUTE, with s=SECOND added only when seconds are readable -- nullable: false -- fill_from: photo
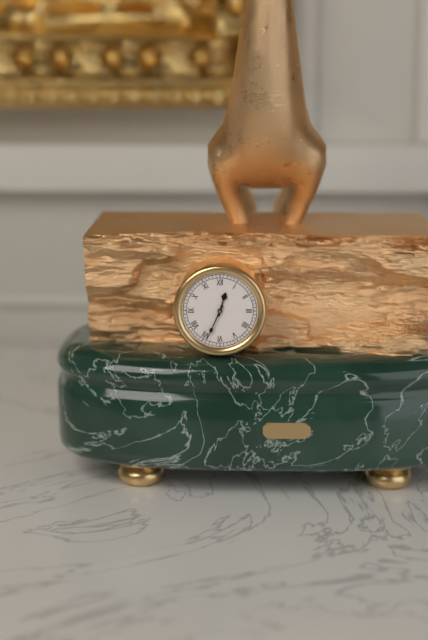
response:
h=12 m=34
